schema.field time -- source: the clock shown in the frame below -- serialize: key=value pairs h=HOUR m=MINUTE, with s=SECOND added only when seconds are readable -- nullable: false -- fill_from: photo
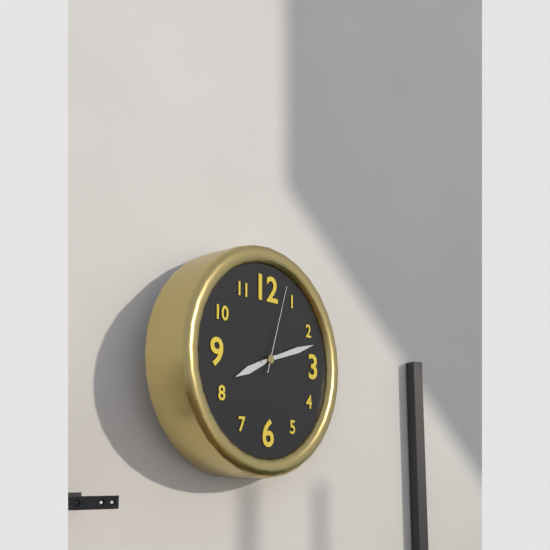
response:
h=8 m=12 s=3
